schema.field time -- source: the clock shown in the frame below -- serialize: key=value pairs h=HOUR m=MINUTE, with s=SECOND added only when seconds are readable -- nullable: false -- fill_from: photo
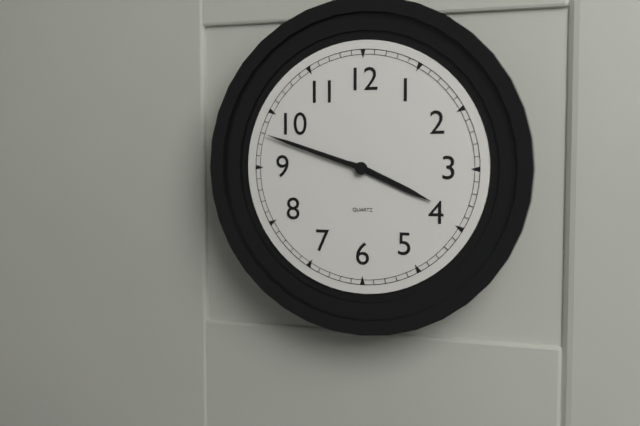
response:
h=3 m=48
